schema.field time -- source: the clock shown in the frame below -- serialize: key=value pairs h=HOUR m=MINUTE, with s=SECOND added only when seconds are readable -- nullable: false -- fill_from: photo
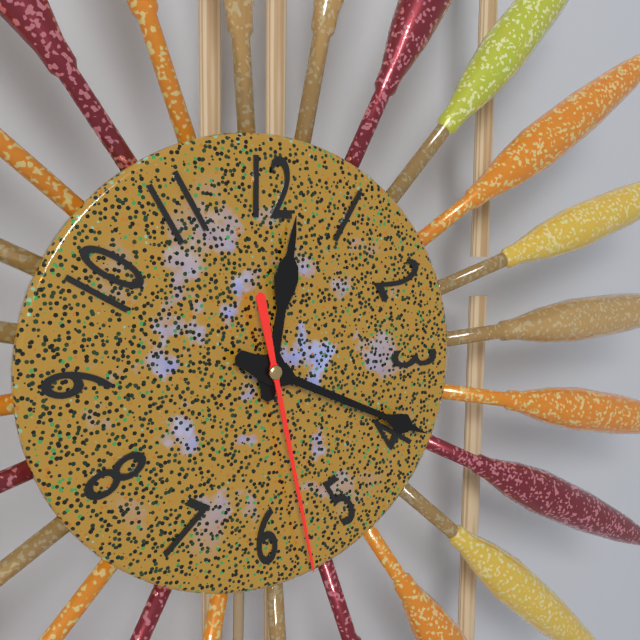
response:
h=12 m=19 s=28
